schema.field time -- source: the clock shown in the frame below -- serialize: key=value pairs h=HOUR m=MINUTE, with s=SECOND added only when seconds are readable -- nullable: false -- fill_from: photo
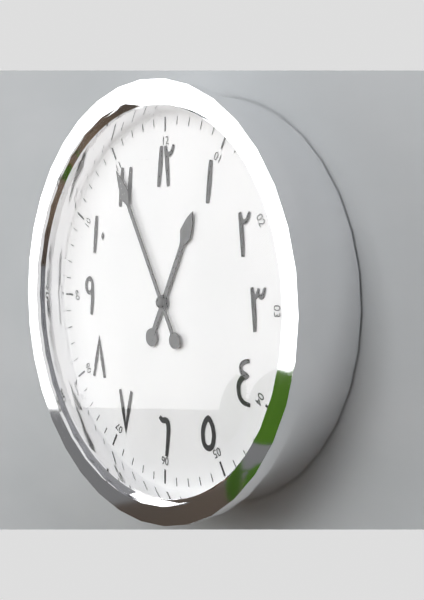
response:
h=12 m=55
